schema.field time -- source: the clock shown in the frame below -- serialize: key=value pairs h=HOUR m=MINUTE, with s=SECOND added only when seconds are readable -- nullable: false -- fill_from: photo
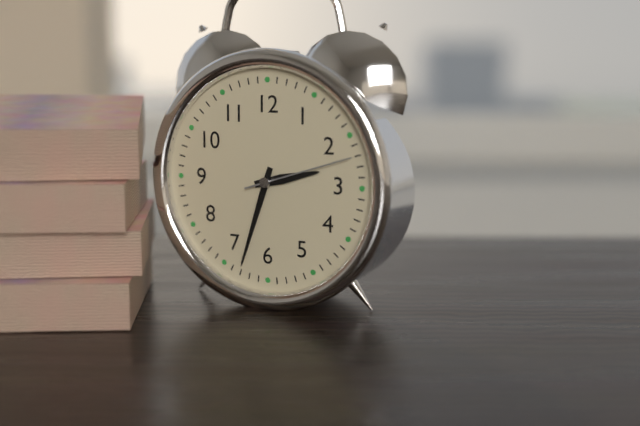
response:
h=2 m=33 s=12
